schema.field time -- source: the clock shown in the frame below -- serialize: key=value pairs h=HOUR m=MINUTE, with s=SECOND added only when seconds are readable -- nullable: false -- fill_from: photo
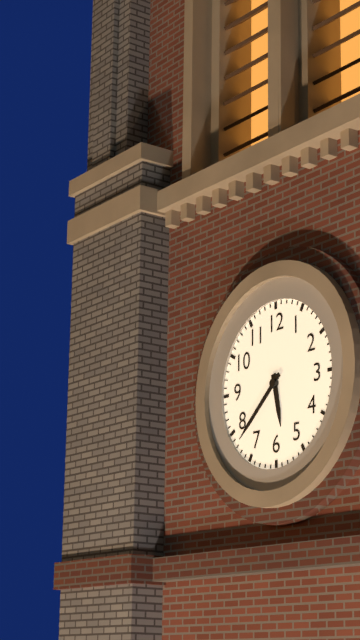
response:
h=5 m=38
